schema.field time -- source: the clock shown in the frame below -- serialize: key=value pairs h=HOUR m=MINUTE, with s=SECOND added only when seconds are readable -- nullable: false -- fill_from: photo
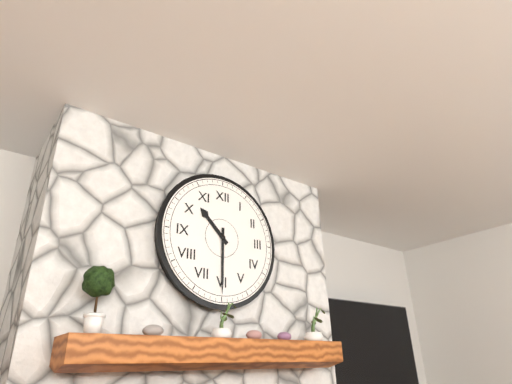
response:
h=10 m=30
